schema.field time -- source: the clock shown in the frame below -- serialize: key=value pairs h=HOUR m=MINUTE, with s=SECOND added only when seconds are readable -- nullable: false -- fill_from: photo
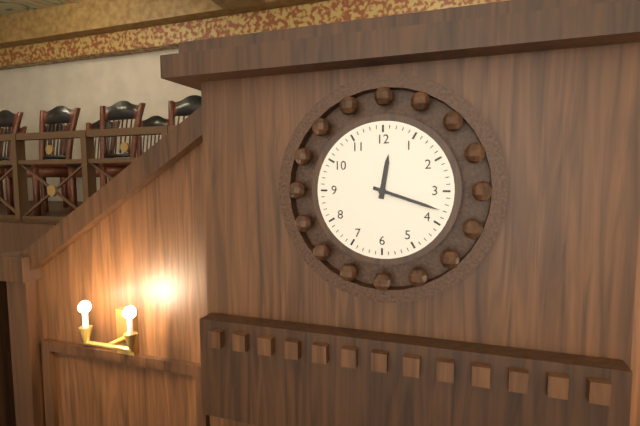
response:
h=12 m=18
